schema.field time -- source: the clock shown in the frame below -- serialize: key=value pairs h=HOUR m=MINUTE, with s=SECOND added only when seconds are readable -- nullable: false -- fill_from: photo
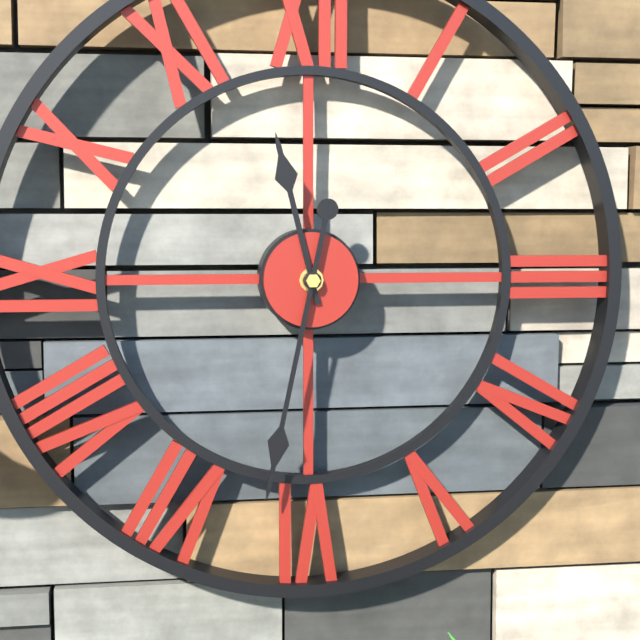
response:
h=11 m=32
